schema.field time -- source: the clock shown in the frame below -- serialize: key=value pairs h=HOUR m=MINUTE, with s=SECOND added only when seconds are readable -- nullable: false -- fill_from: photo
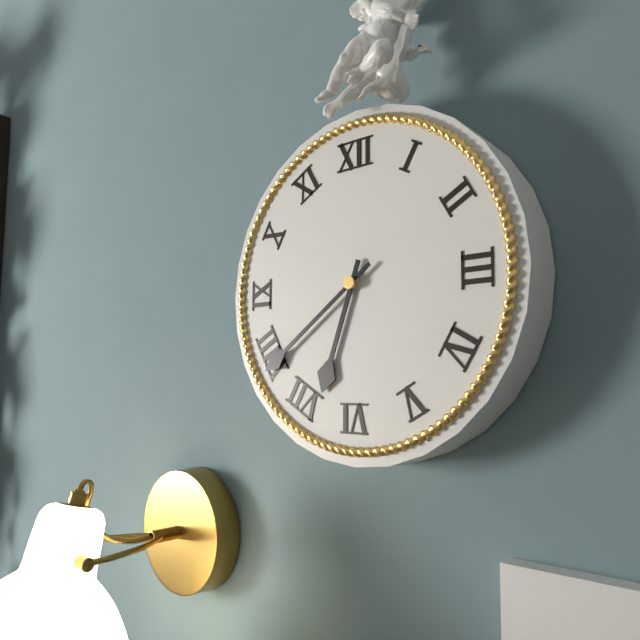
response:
h=6 m=39
